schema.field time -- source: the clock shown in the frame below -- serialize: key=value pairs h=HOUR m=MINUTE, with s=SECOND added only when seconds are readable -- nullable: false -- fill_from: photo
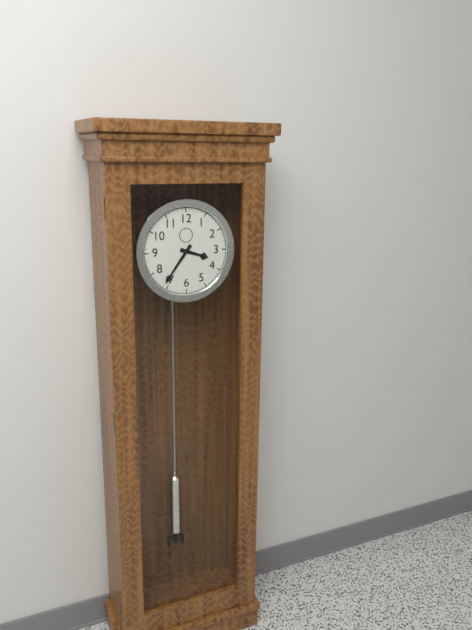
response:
h=3 m=36
